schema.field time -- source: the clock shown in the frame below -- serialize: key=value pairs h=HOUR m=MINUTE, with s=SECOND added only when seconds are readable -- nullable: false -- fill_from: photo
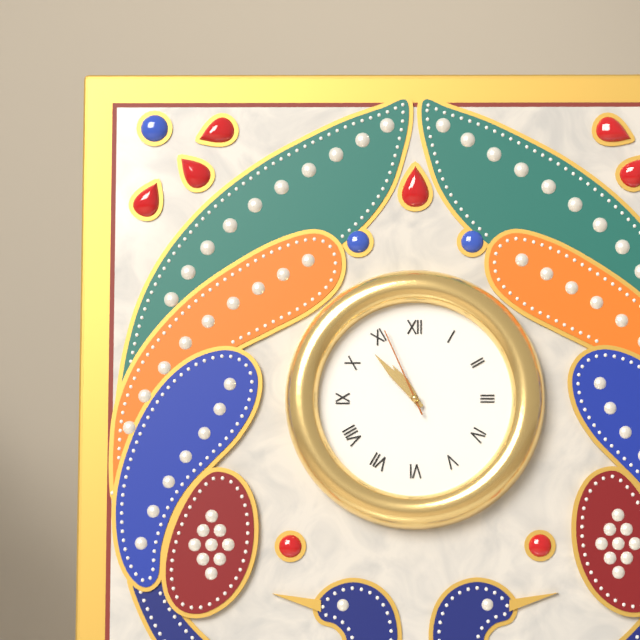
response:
h=10 m=53 s=56
